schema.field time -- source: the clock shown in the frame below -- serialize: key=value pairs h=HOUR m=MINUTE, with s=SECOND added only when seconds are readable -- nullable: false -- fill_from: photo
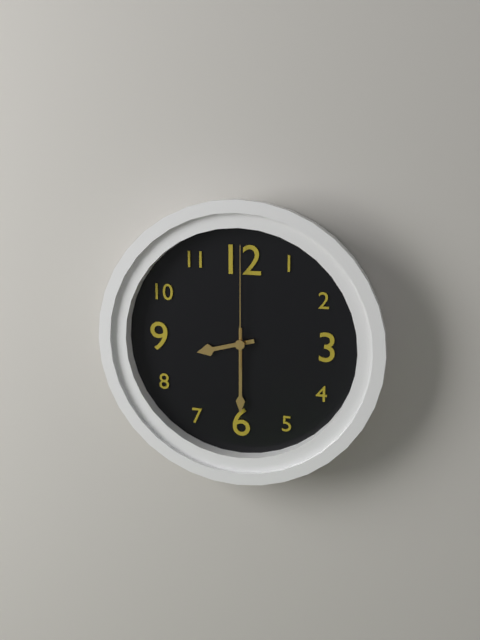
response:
h=8 m=30 s=0
